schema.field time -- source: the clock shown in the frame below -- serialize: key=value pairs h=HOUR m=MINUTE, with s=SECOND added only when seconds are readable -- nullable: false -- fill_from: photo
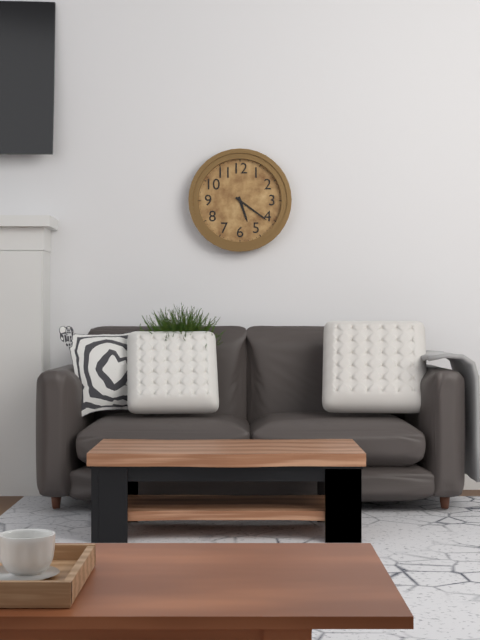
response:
h=5 m=21
